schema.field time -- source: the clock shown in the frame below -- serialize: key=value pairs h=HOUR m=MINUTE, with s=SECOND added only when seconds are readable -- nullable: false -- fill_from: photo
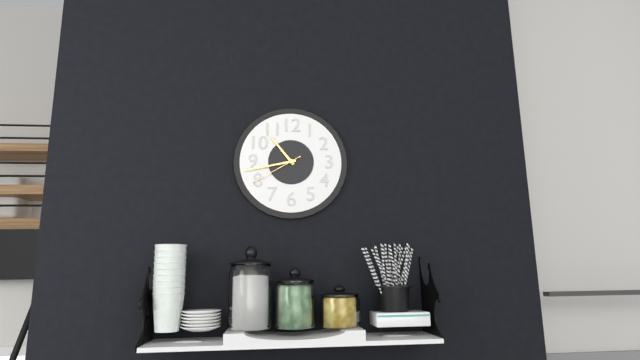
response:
h=10 m=43 s=40
